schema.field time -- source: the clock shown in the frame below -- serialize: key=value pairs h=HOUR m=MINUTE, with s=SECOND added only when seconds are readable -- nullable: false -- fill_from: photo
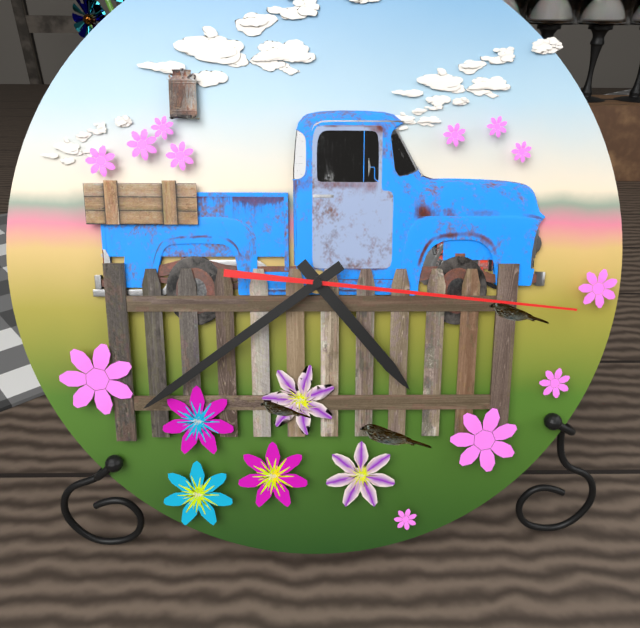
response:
h=4 m=39 s=16
